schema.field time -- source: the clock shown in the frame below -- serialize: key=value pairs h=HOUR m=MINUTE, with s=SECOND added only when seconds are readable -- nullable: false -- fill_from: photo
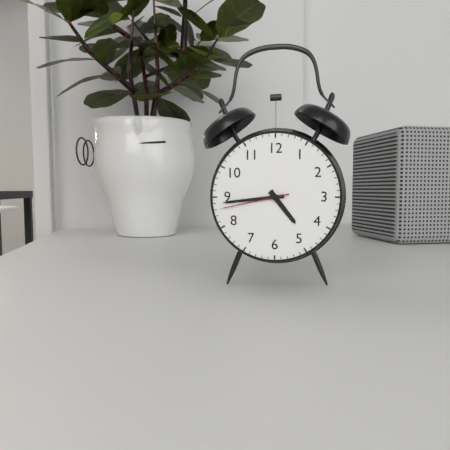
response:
h=4 m=44 s=43
